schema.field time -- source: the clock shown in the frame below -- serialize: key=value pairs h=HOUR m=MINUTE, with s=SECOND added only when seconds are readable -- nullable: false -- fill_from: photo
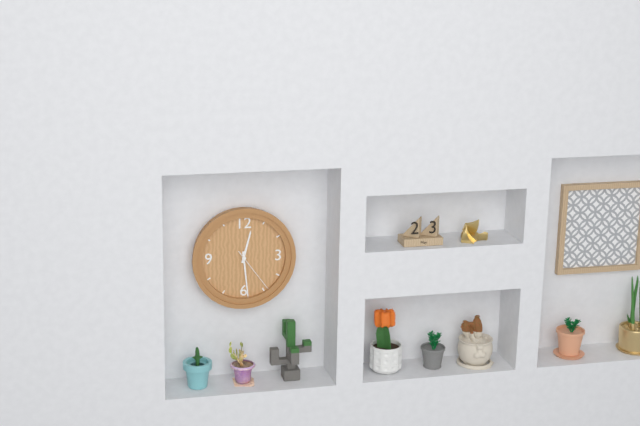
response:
h=12 m=29 s=24
